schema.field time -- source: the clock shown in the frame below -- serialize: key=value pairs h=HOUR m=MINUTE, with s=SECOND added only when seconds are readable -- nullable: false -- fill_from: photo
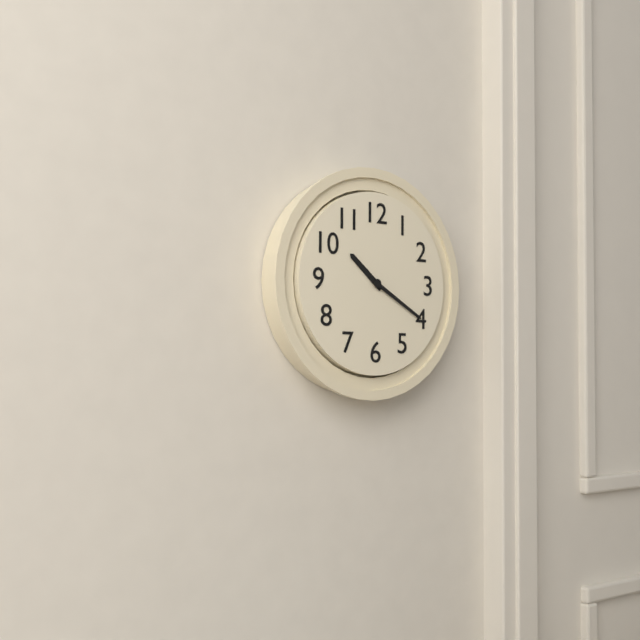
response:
h=10 m=20
